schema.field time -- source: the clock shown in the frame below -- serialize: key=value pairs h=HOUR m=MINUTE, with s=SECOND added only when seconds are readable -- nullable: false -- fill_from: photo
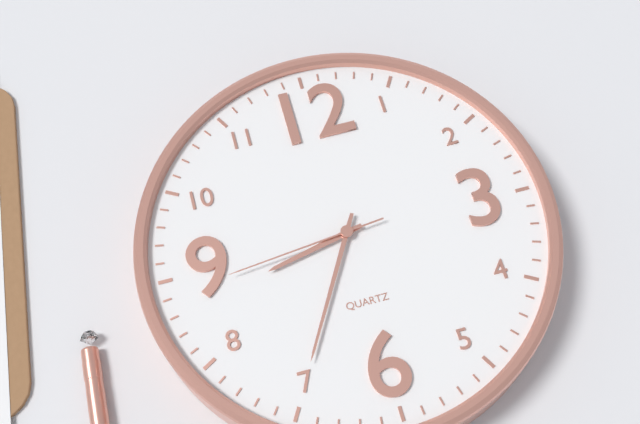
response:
h=8 m=35 s=44
